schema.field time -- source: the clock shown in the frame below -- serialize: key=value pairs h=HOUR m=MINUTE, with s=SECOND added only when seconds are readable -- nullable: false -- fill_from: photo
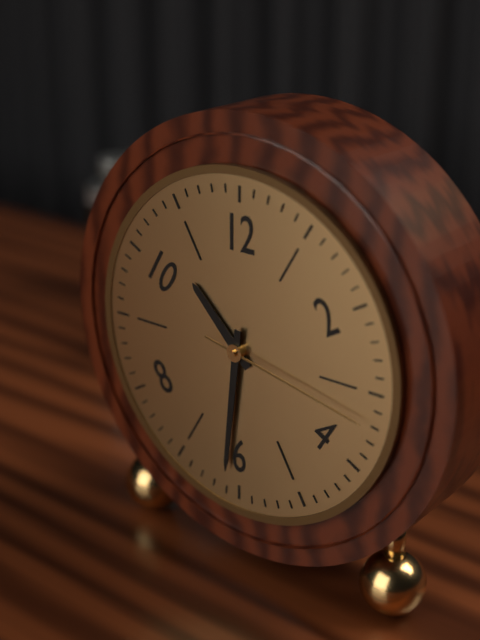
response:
h=10 m=31 s=17
